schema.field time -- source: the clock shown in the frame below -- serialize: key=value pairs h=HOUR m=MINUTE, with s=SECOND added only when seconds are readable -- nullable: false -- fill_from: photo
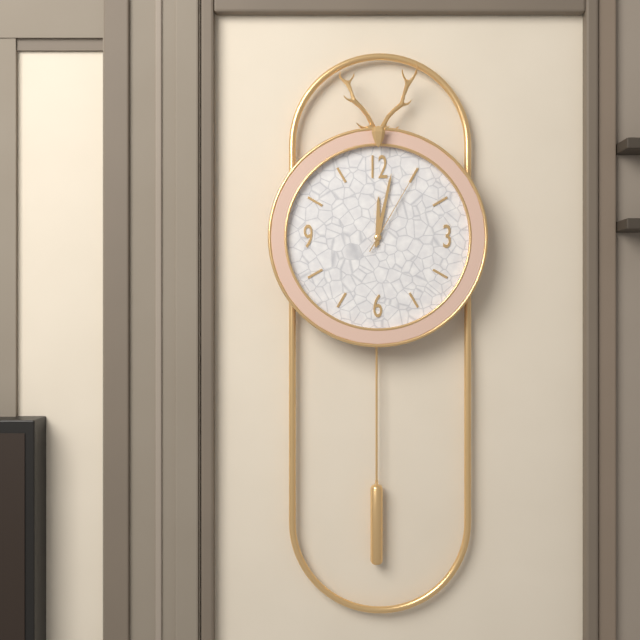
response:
h=12 m=2 s=5
